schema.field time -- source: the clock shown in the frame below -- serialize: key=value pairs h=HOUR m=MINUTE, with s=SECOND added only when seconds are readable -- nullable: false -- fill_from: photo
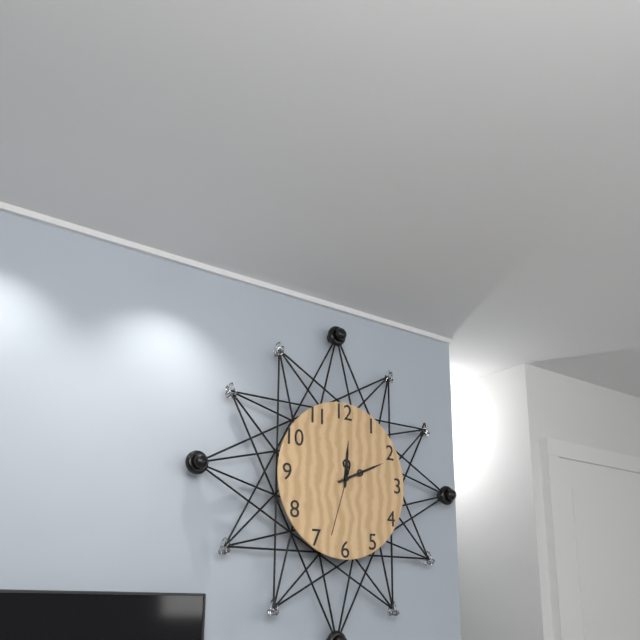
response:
h=12 m=11 s=33
